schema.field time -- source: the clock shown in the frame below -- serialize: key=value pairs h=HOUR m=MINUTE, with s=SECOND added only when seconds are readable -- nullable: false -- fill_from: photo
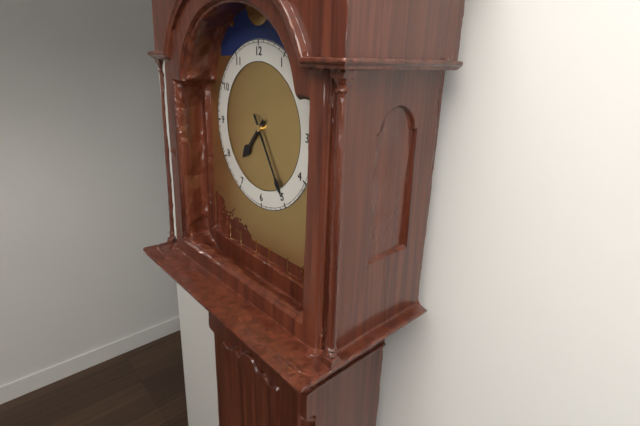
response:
h=7 m=25
